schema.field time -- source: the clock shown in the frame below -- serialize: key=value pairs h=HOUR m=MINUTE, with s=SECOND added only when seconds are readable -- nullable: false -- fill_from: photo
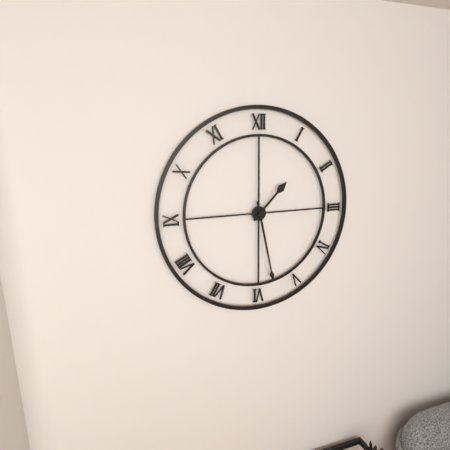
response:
h=1 m=28
